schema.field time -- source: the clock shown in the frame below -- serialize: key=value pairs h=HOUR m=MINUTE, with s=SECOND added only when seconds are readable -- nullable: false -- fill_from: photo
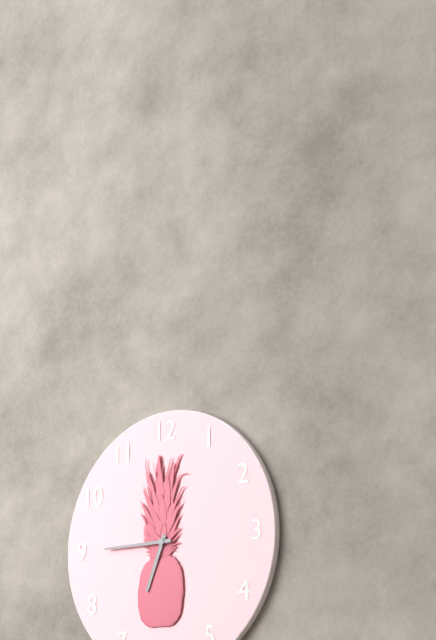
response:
h=6 m=45
